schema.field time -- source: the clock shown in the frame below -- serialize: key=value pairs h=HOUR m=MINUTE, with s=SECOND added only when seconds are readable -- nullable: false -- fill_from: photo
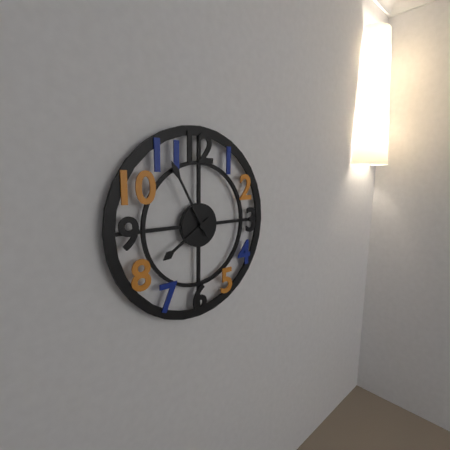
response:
h=7 m=55
